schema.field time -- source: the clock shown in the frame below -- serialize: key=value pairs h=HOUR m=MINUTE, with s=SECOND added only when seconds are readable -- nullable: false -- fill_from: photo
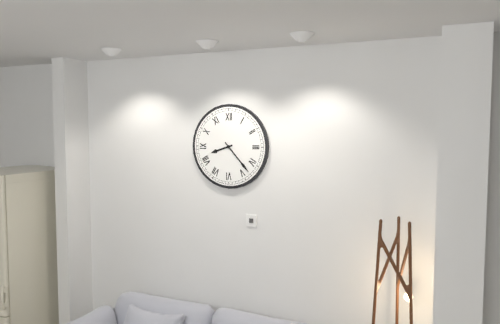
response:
h=8 m=23
